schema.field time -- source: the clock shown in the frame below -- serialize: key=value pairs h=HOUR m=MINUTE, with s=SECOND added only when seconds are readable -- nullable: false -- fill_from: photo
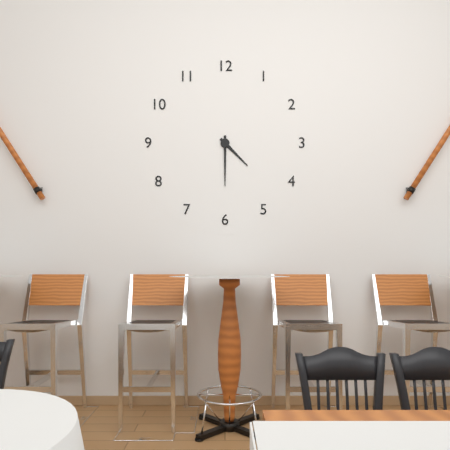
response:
h=4 m=30
